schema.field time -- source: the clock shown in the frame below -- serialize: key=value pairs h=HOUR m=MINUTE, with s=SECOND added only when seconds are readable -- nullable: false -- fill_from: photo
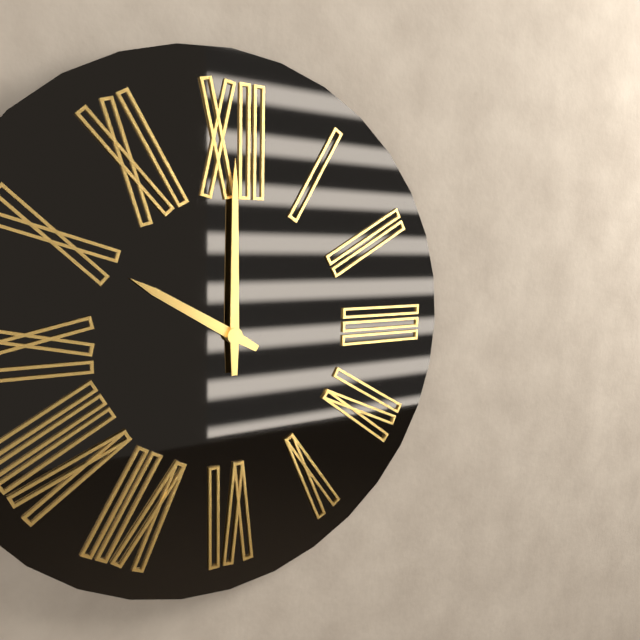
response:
h=10 m=0
